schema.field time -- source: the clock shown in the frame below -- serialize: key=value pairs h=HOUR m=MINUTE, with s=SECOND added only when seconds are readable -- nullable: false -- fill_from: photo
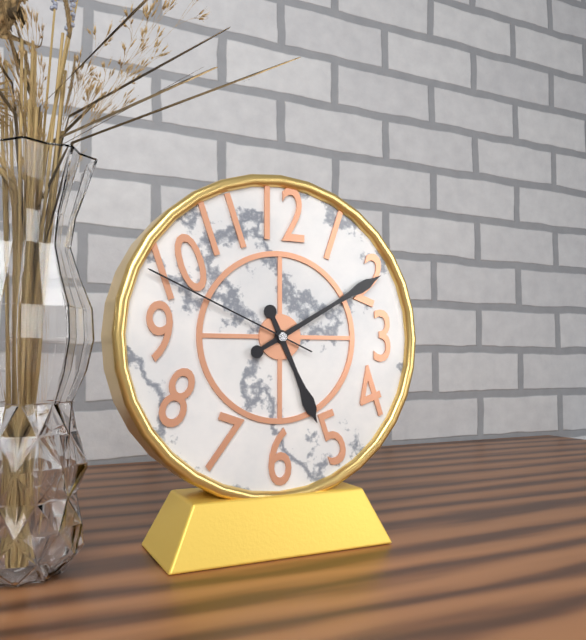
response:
h=5 m=10 s=49
